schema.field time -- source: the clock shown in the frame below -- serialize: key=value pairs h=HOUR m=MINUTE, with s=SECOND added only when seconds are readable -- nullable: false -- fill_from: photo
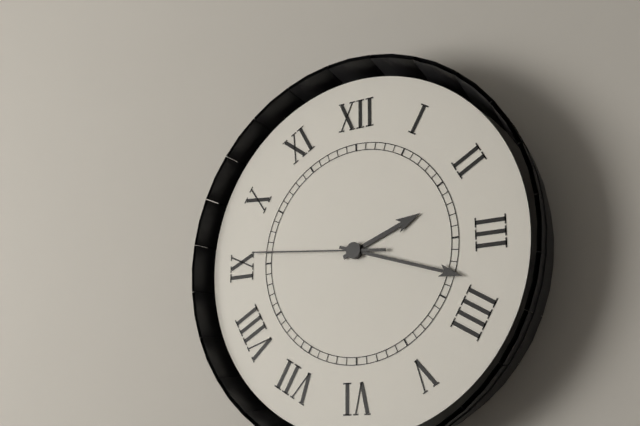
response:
h=2 m=18 s=46
